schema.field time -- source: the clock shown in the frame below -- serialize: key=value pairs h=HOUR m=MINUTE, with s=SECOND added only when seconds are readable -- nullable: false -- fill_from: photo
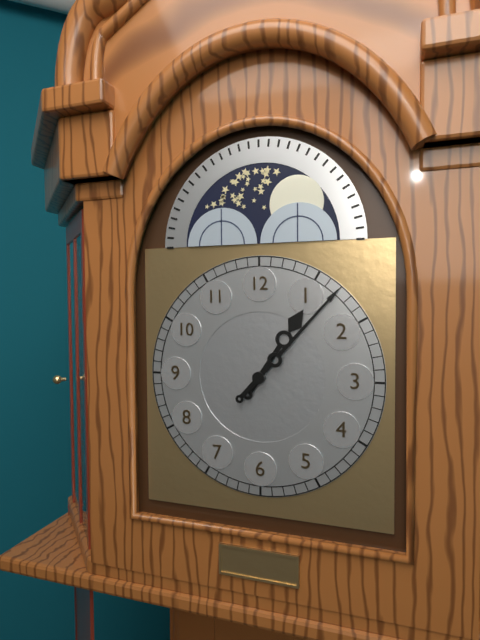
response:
h=1 m=7
